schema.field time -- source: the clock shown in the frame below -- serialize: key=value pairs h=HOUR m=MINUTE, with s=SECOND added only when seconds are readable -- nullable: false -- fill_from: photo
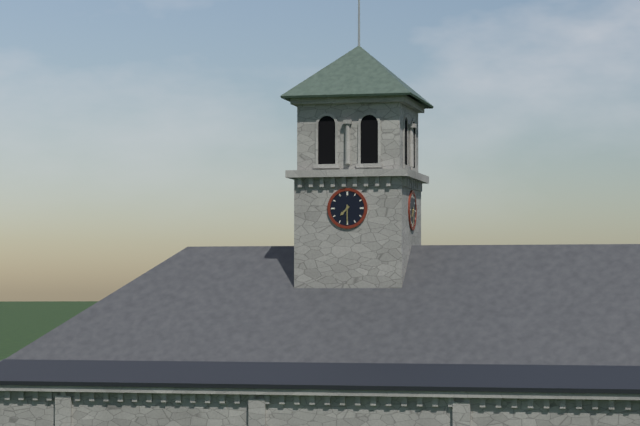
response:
h=7 m=30
